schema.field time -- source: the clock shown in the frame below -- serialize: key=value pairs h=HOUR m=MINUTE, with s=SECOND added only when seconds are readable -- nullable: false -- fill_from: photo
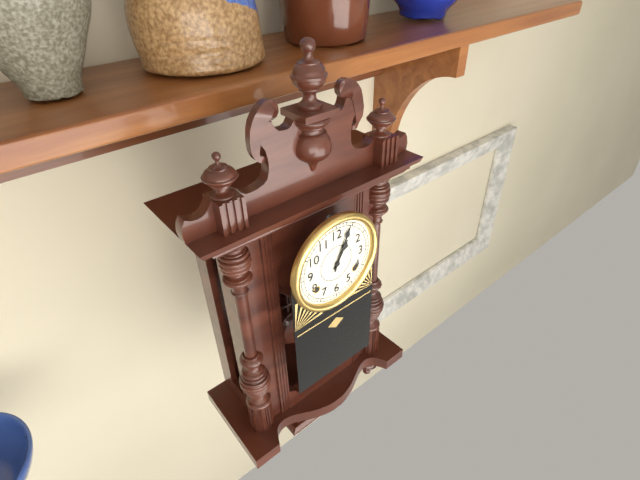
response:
h=1 m=4
